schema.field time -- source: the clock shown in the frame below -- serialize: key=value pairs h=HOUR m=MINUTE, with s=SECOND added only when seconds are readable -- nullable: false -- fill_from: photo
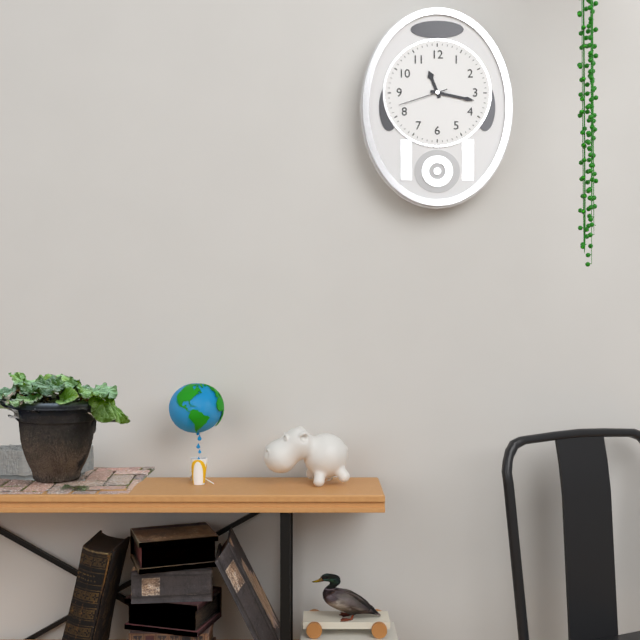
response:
h=11 m=17 s=42
